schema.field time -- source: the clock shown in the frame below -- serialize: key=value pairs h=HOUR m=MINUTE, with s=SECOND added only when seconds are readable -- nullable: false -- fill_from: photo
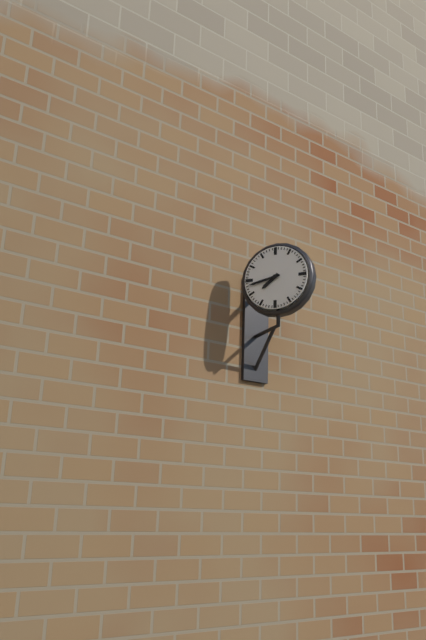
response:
h=7 m=43
